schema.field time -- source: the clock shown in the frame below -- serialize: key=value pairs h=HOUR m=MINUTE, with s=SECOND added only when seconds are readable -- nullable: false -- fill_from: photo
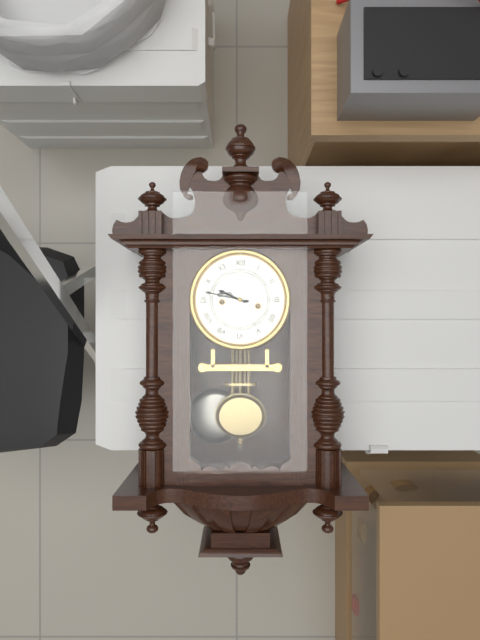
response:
h=9 m=47
